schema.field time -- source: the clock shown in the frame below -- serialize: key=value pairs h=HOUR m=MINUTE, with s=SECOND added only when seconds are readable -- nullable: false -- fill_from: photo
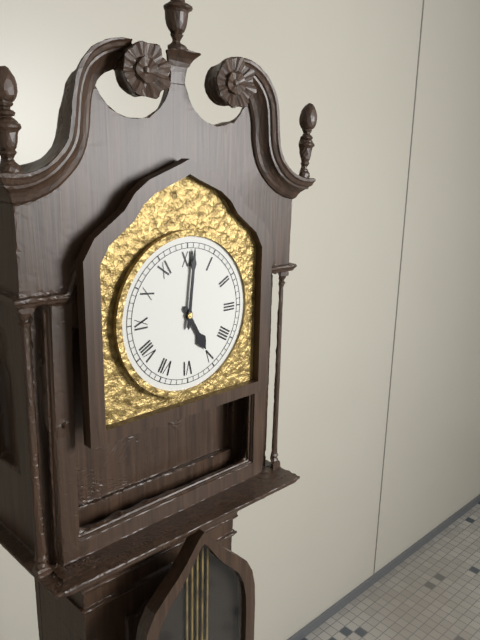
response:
h=5 m=1
